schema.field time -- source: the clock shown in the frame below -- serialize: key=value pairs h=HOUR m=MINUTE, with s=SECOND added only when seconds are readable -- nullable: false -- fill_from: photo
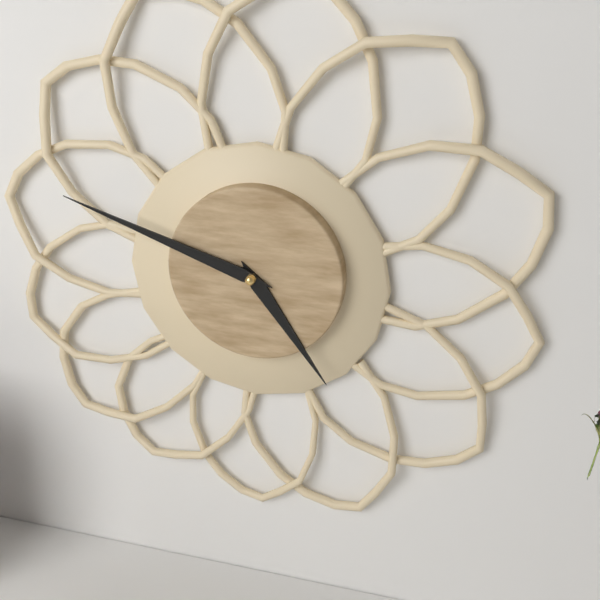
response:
h=4 m=48
